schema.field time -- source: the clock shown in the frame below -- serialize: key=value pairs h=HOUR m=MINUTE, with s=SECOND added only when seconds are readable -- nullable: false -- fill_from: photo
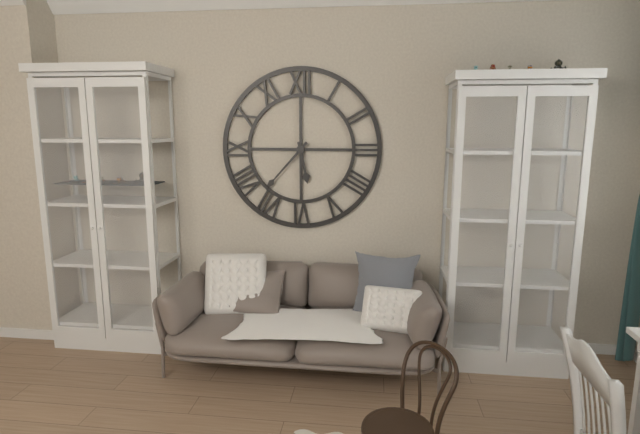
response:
h=5 m=37
